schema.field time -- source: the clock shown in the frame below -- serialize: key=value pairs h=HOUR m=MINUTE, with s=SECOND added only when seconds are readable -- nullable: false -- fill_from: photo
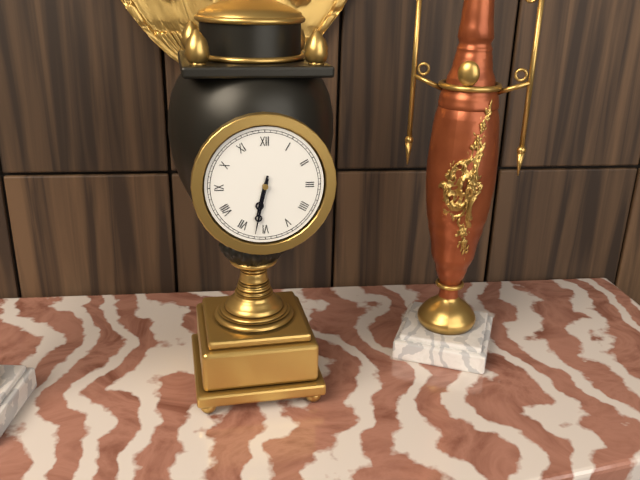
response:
h=6 m=32
